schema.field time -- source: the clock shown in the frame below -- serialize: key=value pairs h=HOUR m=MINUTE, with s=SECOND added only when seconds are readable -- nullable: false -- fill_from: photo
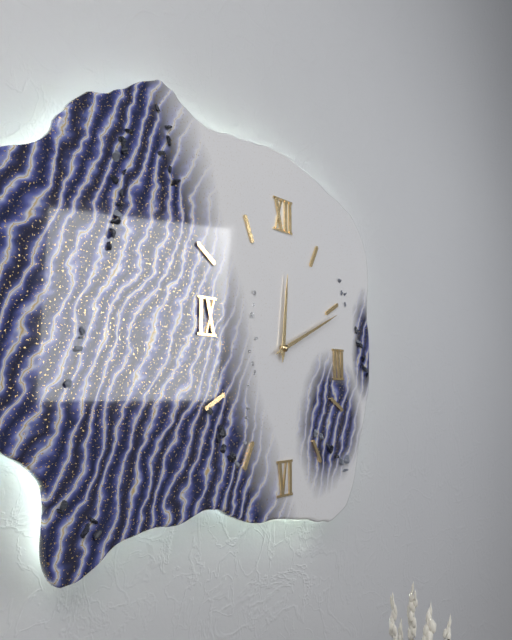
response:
h=12 m=11
